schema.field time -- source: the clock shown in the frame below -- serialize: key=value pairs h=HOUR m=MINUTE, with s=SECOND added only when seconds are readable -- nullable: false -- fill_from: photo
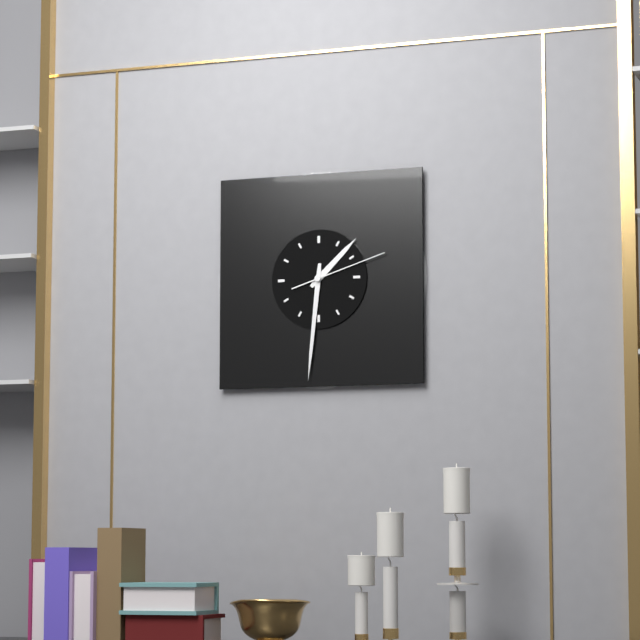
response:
h=1 m=31 s=12
